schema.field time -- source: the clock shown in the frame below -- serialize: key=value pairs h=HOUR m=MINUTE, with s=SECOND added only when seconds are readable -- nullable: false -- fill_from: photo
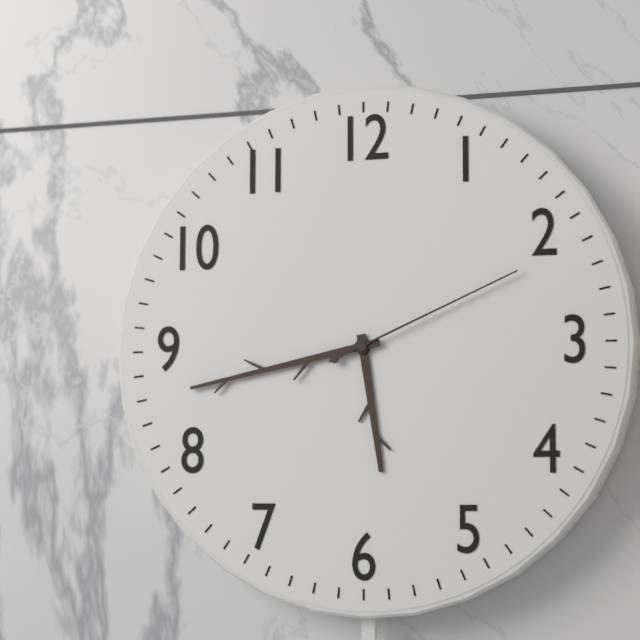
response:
h=5 m=43 s=11
